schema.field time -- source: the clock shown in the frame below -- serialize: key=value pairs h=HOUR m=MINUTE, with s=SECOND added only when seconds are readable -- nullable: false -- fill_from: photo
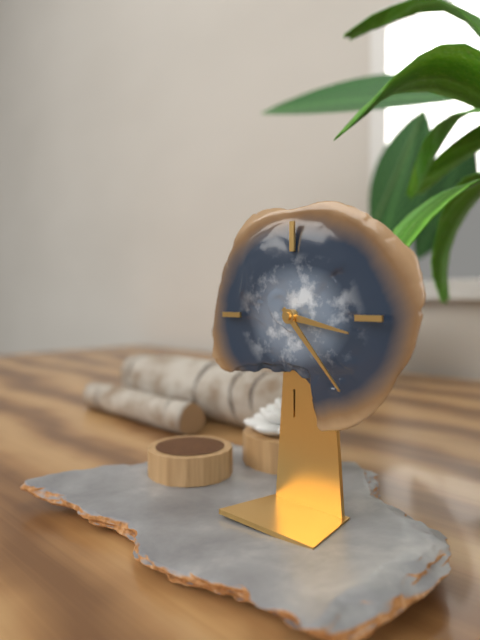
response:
h=3 m=23
